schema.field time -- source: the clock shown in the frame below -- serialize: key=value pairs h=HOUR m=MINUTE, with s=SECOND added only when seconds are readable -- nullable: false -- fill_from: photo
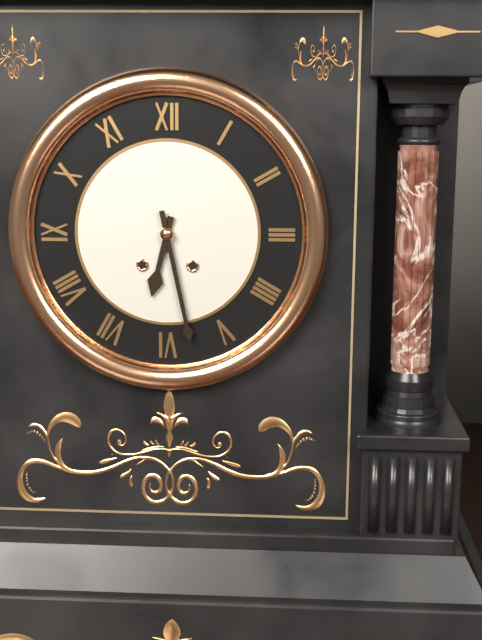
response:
h=6 m=28
